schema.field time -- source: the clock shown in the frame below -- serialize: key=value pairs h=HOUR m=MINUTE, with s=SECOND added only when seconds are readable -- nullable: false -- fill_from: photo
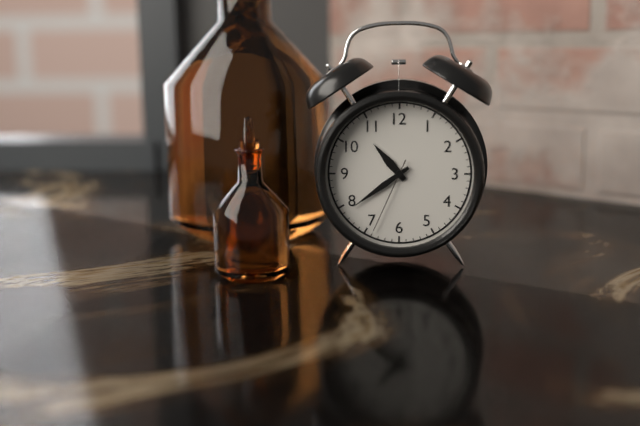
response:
h=10 m=39 s=34
